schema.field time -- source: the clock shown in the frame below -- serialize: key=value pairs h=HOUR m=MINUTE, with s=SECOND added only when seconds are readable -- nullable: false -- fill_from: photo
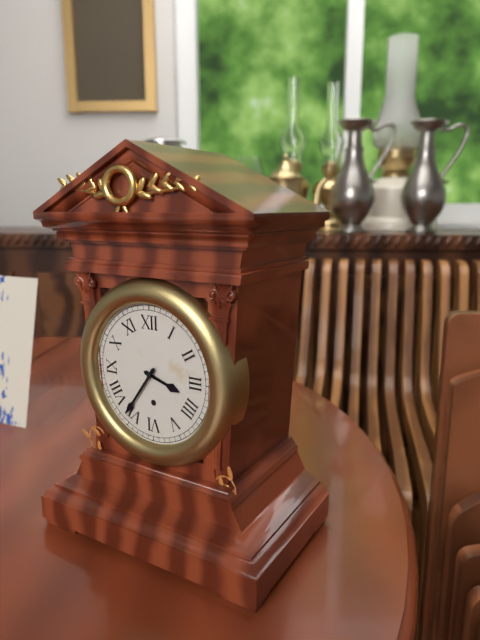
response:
h=3 m=36
